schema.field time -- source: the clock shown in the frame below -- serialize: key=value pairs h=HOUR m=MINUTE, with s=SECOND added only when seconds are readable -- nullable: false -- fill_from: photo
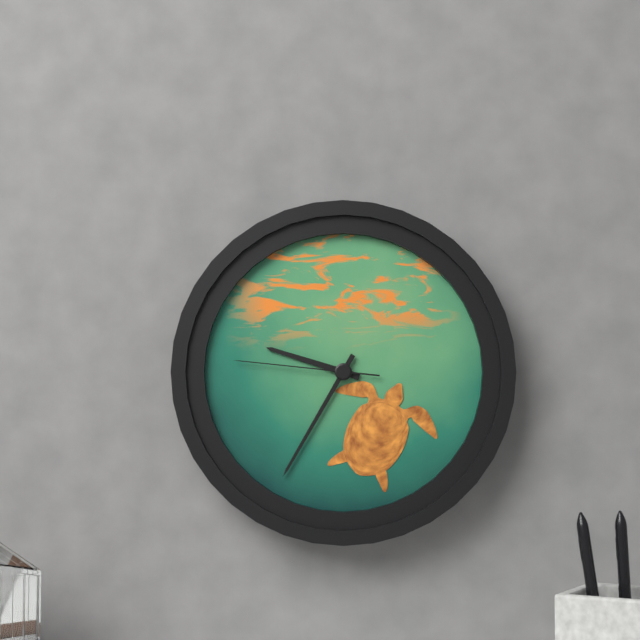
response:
h=9 m=35 s=46
